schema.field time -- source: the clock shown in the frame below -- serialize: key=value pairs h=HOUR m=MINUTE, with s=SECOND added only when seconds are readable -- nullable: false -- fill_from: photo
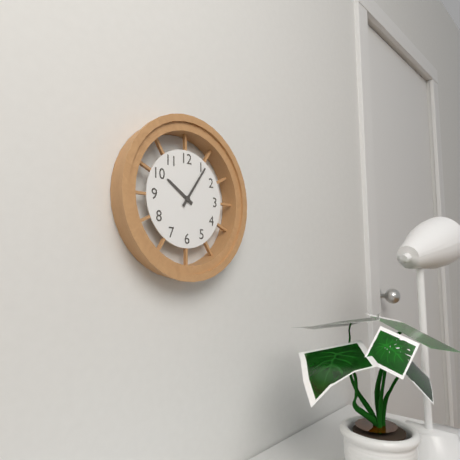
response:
h=10 m=6
